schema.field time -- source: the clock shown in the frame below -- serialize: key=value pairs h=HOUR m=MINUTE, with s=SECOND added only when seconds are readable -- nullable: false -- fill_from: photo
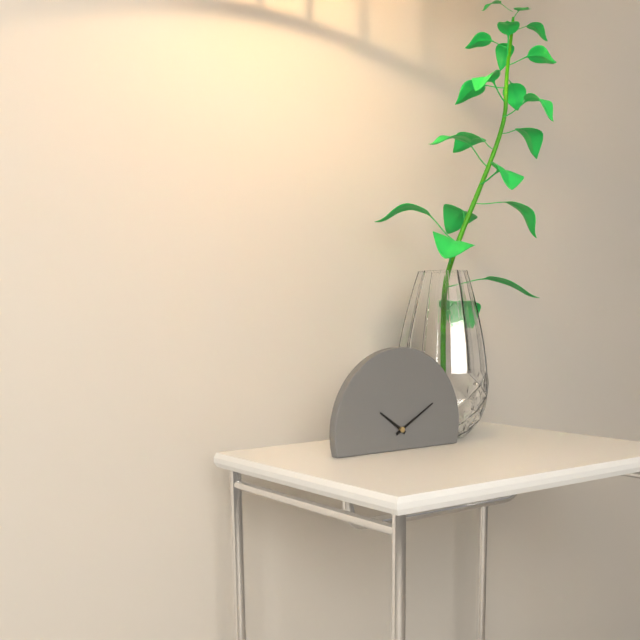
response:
h=10 m=10
